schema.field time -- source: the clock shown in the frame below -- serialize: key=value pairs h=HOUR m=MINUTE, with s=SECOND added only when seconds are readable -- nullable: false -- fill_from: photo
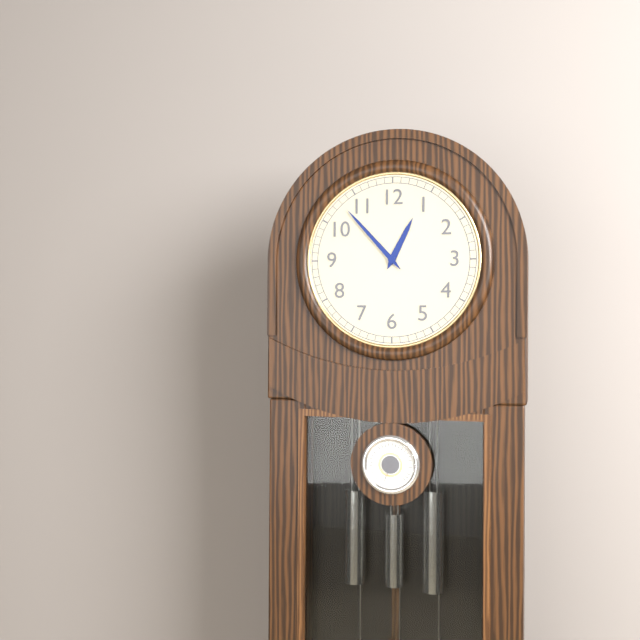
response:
h=12 m=53
